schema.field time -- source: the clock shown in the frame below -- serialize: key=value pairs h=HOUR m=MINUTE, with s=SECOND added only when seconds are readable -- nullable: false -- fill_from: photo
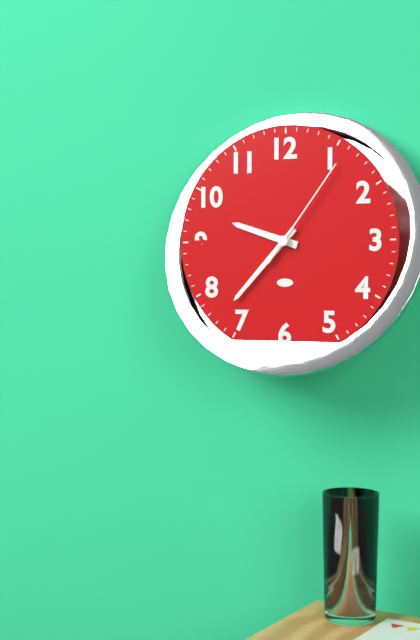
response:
h=9 m=37 s=6
